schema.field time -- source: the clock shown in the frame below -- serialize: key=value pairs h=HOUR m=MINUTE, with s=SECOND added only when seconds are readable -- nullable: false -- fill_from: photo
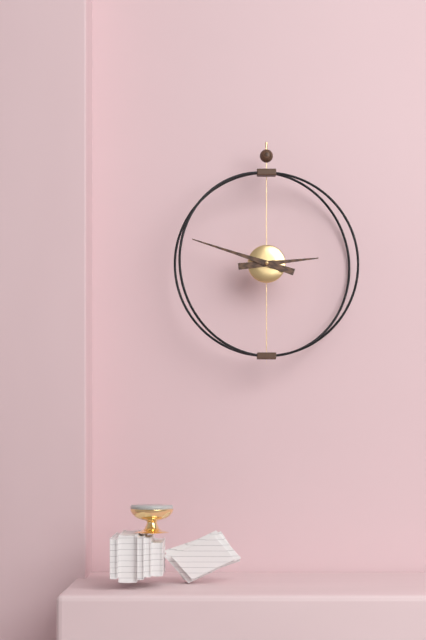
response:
h=2 m=48
